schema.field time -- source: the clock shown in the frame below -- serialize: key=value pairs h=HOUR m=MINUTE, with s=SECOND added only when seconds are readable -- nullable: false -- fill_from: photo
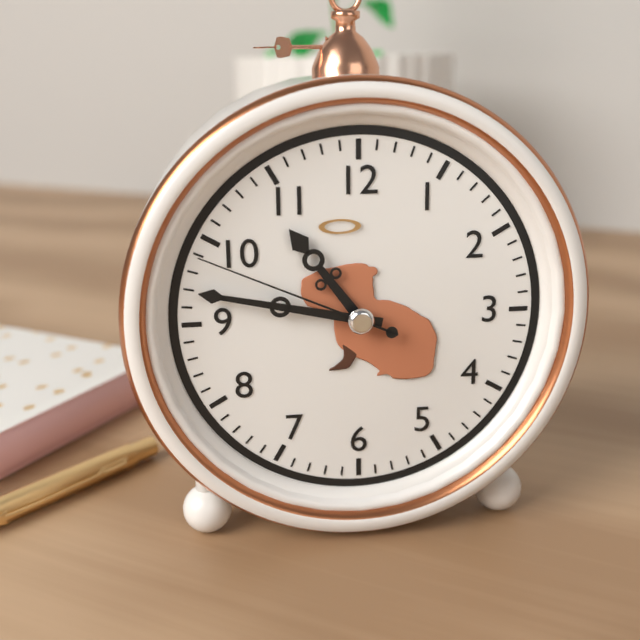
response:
h=10 m=47 s=49
